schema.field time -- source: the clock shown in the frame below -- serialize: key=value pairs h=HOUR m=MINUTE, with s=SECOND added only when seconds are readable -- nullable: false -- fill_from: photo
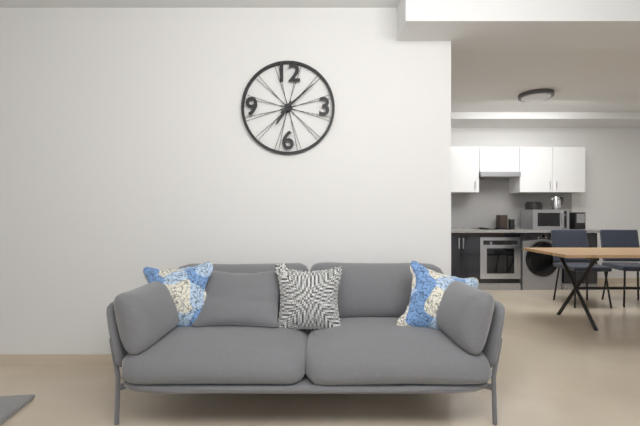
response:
h=7 m=8
